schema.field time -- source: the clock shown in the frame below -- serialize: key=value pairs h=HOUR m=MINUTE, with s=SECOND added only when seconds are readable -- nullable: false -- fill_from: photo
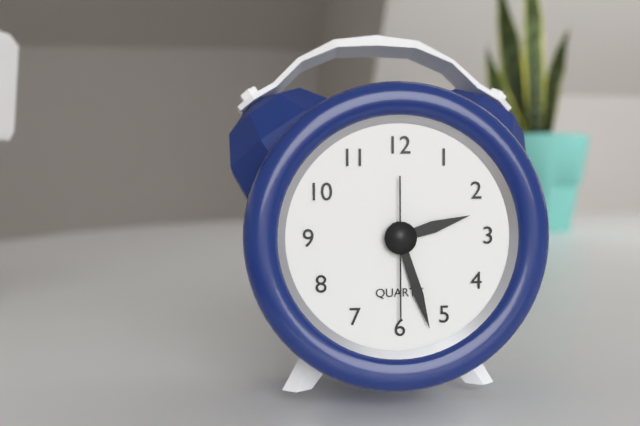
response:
h=2 m=27 s=30
